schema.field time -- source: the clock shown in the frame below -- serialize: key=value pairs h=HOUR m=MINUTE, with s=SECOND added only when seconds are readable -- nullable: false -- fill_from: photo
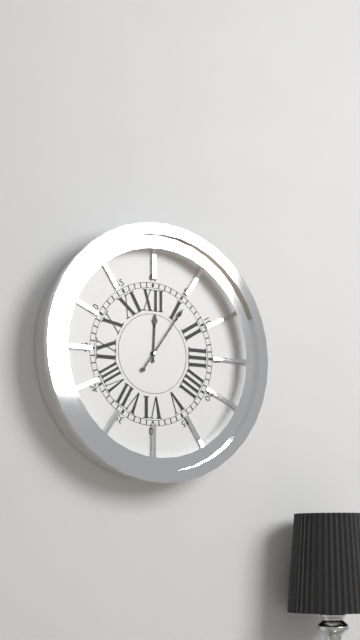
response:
h=12 m=6
